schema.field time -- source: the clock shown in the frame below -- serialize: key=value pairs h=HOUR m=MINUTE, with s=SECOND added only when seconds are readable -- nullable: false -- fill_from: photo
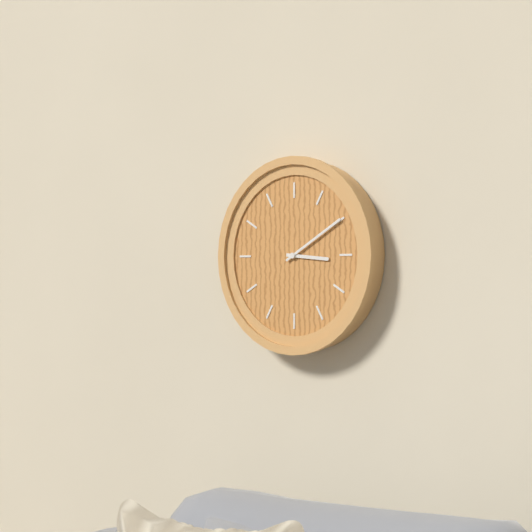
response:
h=3 m=10
